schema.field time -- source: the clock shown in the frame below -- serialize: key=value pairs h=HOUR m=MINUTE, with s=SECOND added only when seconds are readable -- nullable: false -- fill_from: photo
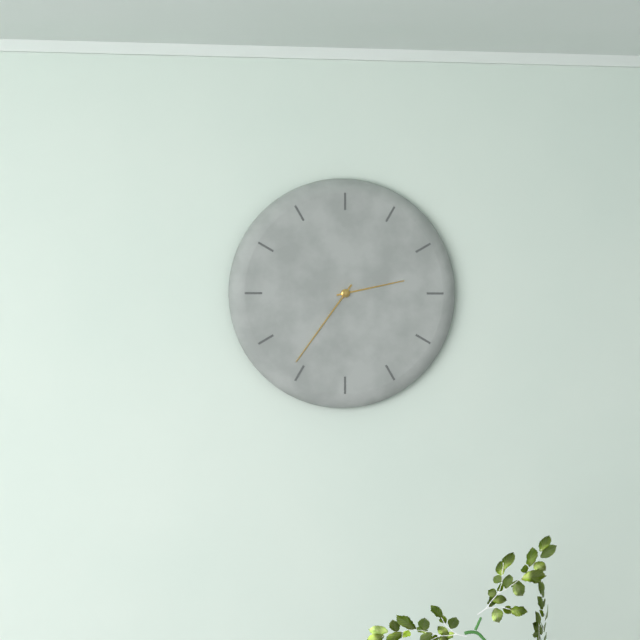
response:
h=2 m=36
